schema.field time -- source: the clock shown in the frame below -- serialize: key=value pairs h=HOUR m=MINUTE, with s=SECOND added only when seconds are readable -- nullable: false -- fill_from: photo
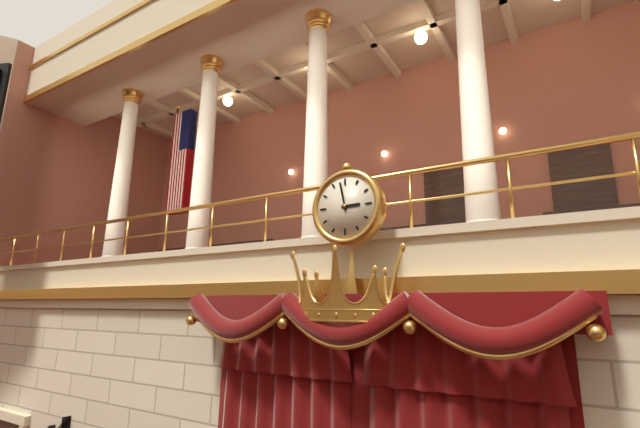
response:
h=2 m=58
